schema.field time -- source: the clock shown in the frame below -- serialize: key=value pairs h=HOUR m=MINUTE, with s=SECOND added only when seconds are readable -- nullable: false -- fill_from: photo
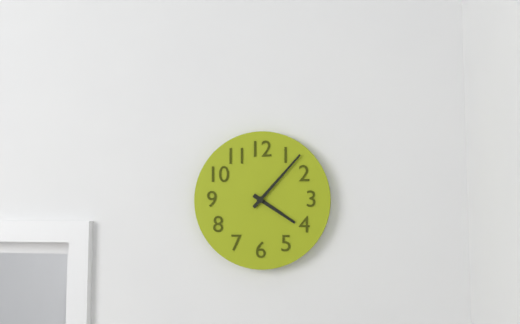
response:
h=4 m=7
